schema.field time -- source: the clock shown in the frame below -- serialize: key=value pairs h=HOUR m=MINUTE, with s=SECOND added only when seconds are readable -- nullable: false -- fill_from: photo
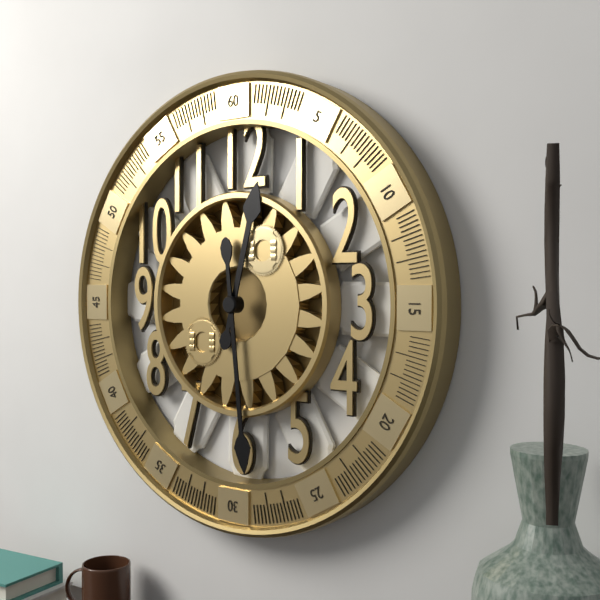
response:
h=12 m=29
